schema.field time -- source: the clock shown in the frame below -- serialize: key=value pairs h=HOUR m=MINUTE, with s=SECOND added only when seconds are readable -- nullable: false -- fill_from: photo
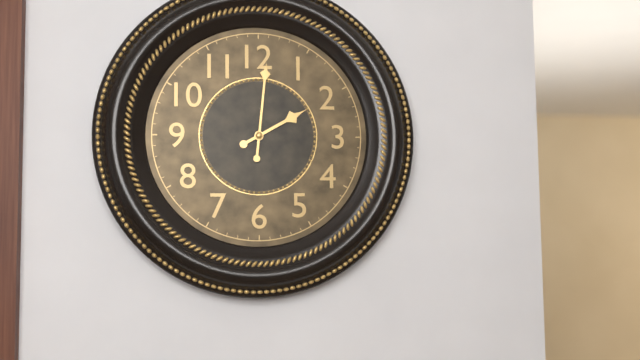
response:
h=2 m=1
